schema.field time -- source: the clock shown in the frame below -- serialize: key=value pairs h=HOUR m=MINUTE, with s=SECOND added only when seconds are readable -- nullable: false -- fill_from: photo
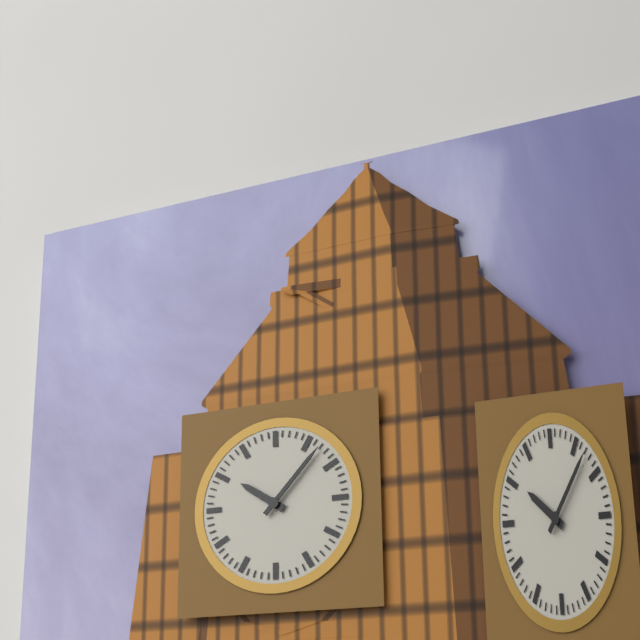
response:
h=10 m=7
